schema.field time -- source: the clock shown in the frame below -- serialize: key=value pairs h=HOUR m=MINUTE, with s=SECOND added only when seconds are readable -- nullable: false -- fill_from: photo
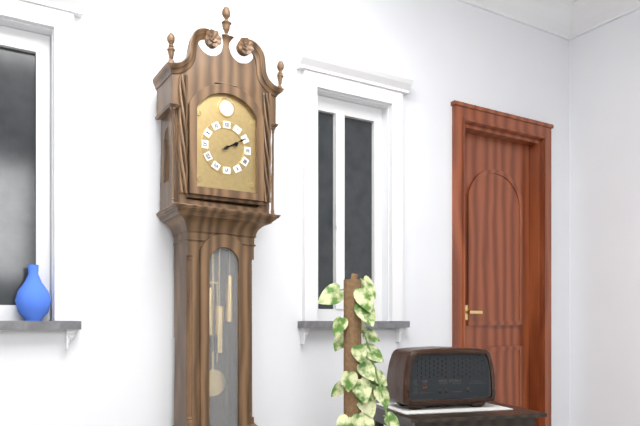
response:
h=2 m=10
